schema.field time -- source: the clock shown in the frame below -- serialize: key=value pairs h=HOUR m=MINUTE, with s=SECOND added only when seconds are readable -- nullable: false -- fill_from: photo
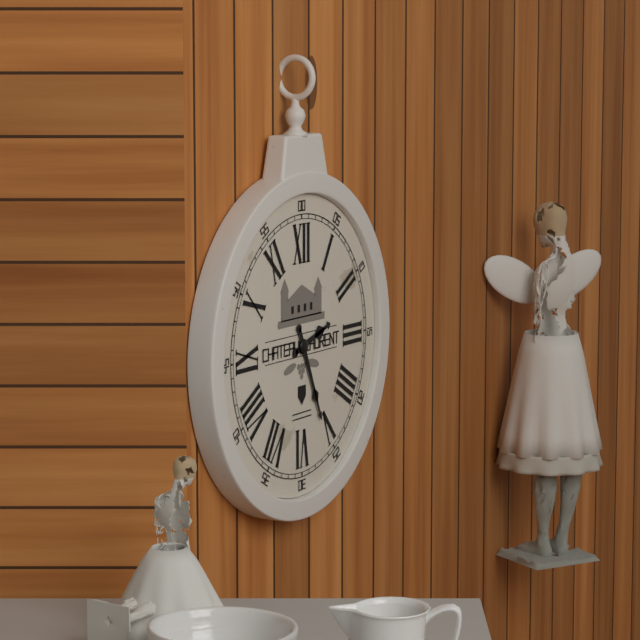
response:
h=2 m=26
